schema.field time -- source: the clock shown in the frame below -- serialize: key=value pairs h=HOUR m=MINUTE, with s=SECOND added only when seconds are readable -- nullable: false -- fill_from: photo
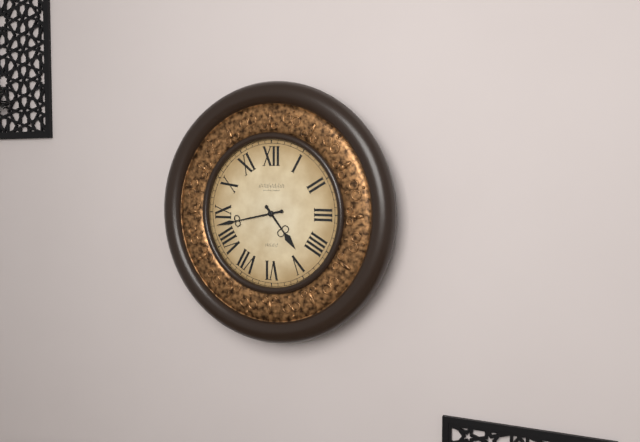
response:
h=4 m=43
